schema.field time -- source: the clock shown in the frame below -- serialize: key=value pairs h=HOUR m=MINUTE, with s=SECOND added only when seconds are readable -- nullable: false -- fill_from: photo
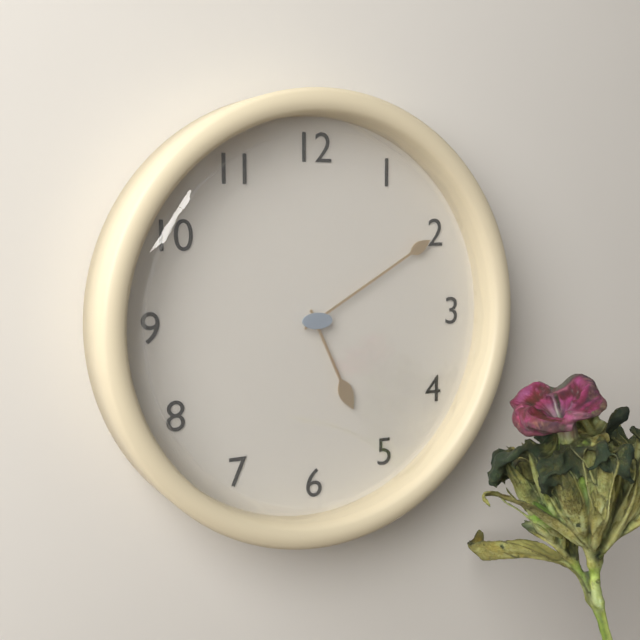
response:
h=5 m=10
